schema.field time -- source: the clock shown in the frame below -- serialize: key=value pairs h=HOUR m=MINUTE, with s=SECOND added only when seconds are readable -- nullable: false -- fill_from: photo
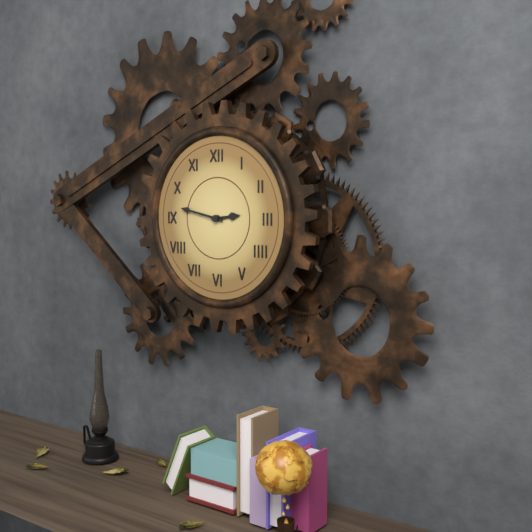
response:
h=2 m=47
